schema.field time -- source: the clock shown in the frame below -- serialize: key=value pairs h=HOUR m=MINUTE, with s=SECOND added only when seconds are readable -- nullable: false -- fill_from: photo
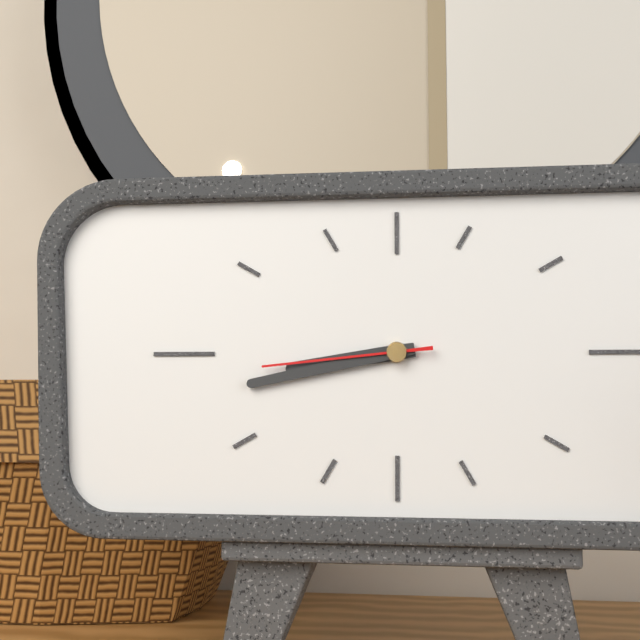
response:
h=8 m=43 s=44
